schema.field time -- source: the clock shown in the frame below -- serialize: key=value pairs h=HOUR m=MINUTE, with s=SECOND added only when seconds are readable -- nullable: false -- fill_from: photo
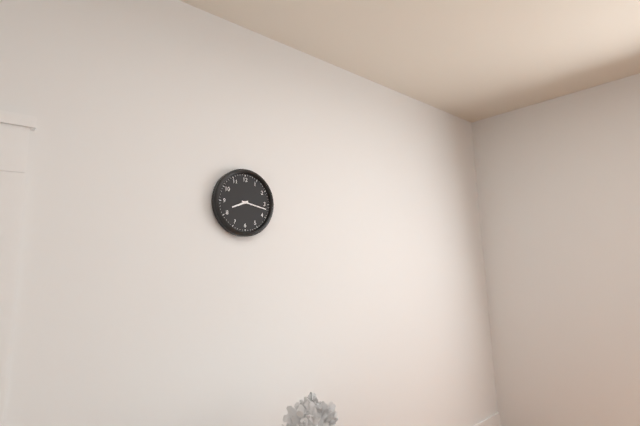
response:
h=8 m=17
